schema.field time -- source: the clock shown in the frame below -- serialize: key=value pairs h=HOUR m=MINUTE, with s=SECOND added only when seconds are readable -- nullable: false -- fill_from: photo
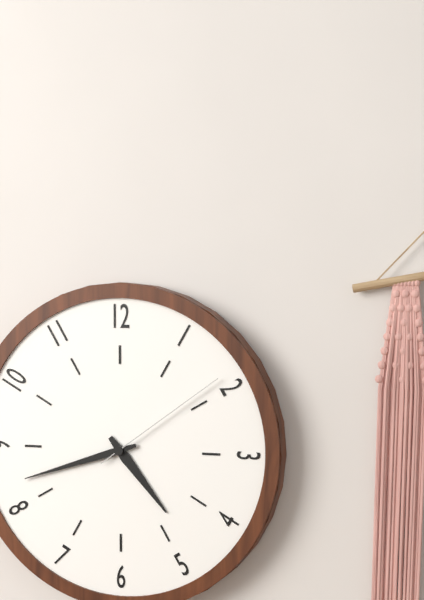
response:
h=4 m=42 s=9
